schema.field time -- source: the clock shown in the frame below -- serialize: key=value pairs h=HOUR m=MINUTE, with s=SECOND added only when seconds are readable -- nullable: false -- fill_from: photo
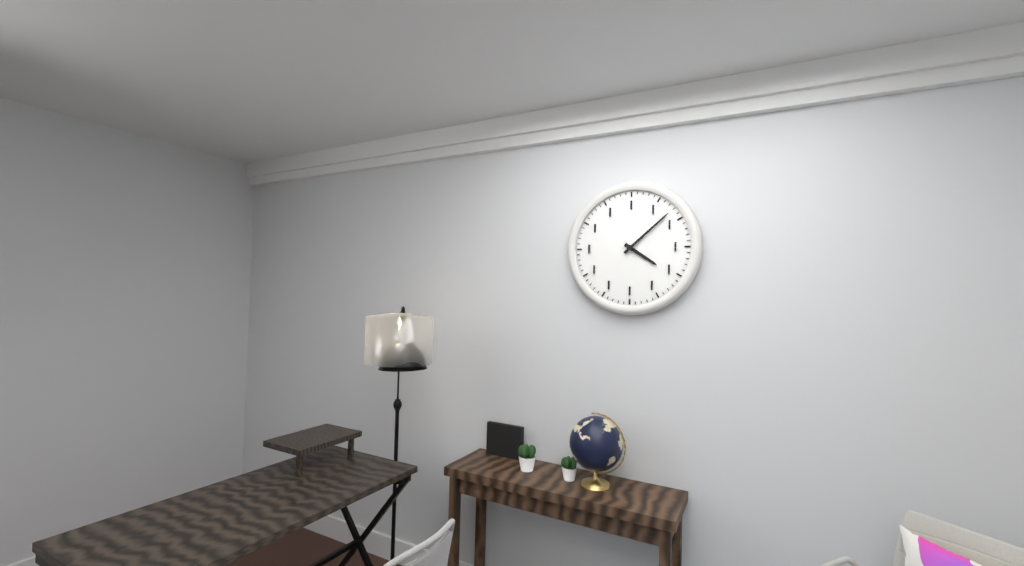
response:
h=4 m=8
